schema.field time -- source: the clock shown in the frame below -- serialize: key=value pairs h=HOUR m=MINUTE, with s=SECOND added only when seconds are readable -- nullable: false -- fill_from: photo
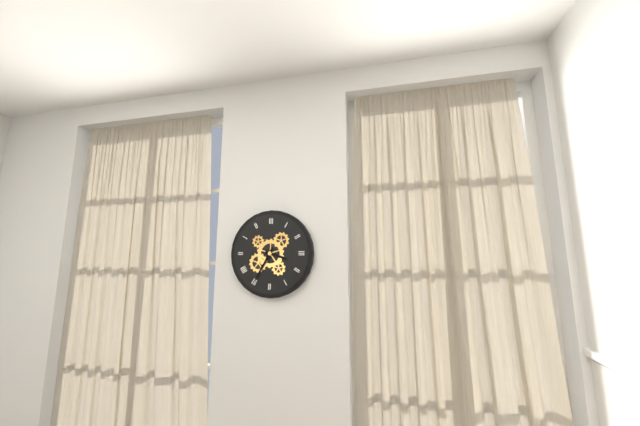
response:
h=3 m=35
